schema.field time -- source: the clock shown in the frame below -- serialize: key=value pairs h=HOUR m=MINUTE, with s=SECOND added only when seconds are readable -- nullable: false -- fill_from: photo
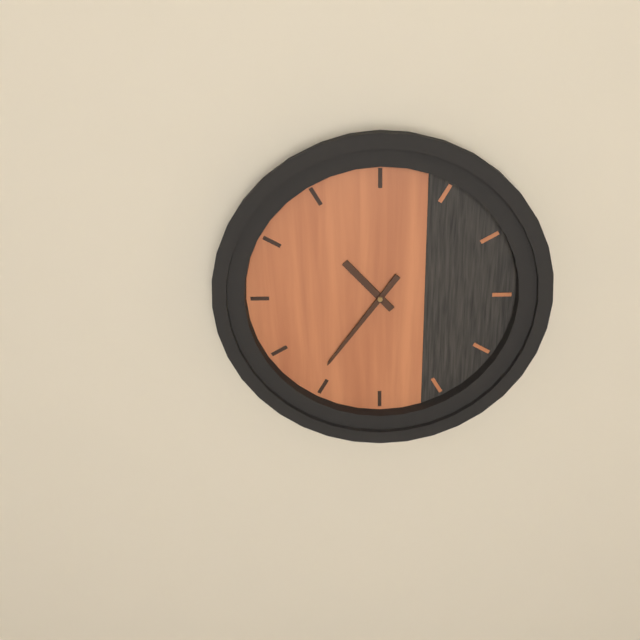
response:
h=10 m=36
